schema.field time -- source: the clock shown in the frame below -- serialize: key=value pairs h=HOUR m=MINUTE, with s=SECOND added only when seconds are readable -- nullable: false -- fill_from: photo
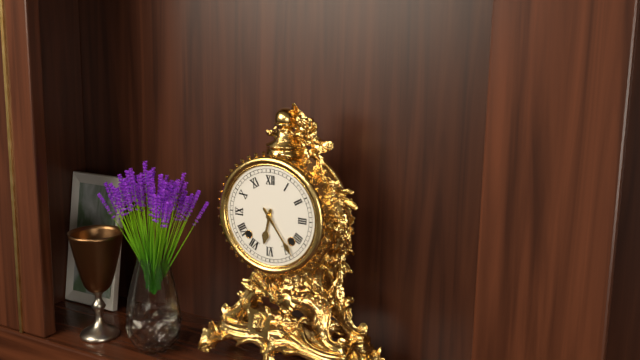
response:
h=6 m=24
